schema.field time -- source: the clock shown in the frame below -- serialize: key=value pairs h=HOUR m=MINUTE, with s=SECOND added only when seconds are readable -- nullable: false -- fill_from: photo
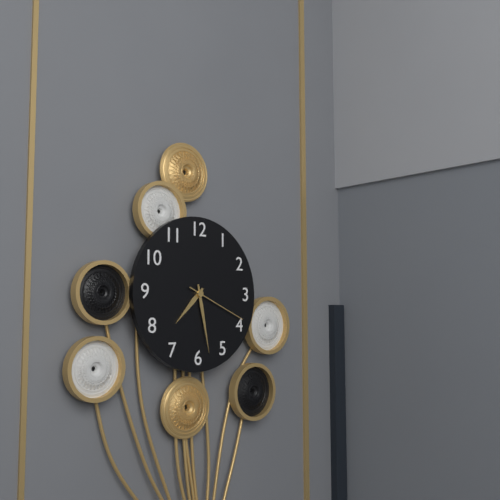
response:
h=7 m=28 s=19
